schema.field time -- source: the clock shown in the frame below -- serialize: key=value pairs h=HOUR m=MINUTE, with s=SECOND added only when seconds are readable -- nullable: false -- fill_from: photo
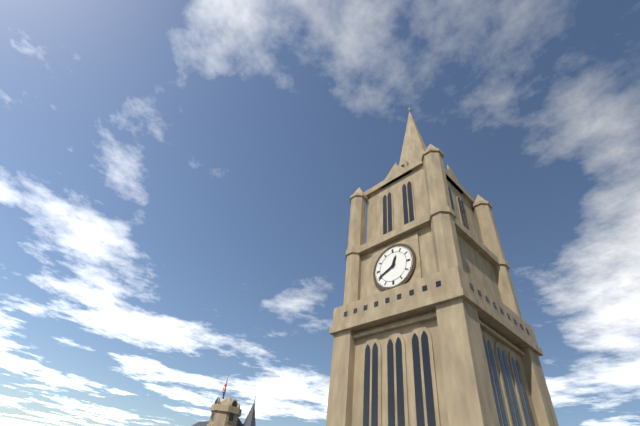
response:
h=12 m=41
